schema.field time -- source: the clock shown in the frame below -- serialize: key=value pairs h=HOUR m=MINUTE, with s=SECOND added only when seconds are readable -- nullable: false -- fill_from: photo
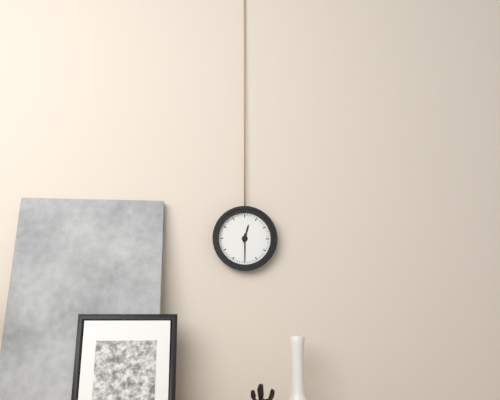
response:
h=12 m=30
